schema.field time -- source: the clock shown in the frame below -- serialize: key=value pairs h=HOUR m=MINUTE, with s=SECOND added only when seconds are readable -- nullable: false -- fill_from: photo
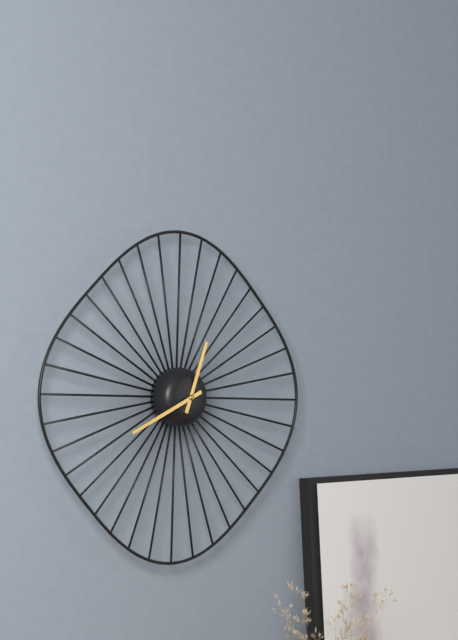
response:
h=12 m=41
